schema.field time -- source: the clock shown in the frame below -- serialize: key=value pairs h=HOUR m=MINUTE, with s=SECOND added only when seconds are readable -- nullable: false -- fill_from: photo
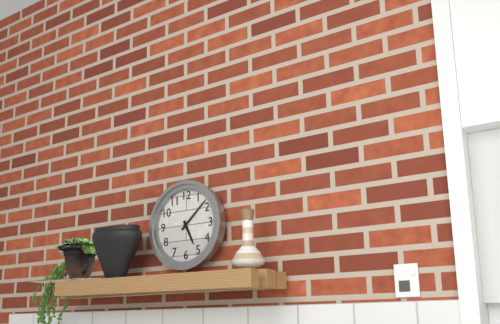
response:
h=5 m=8
